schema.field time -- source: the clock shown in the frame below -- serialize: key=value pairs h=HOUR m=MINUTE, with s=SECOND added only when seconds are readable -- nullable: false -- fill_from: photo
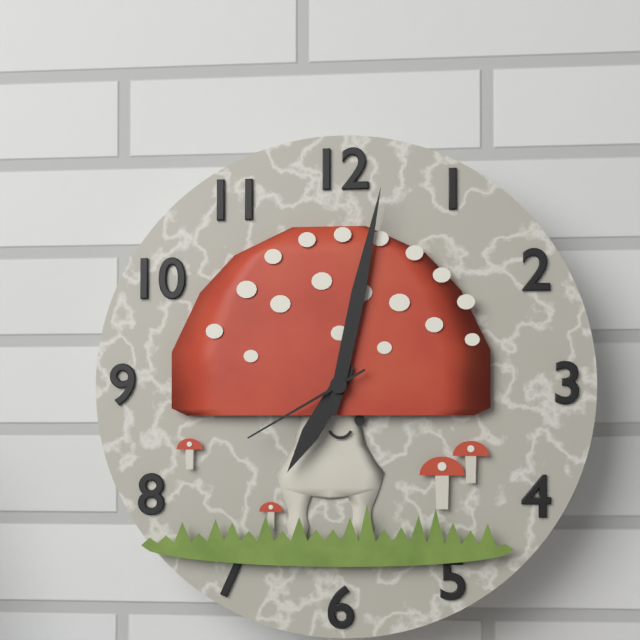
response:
h=7 m=2 s=40
